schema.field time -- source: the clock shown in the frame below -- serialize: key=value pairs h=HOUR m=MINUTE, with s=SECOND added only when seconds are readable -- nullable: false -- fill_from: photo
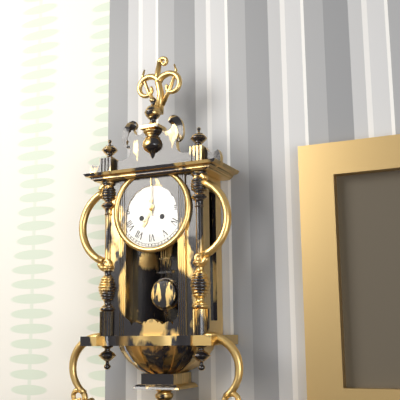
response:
h=7 m=0
